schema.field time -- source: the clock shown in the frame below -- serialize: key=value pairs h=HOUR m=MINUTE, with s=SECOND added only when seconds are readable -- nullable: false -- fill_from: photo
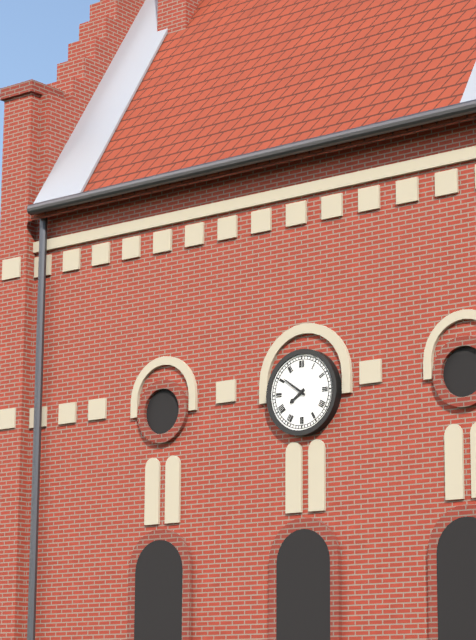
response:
h=7 m=51
